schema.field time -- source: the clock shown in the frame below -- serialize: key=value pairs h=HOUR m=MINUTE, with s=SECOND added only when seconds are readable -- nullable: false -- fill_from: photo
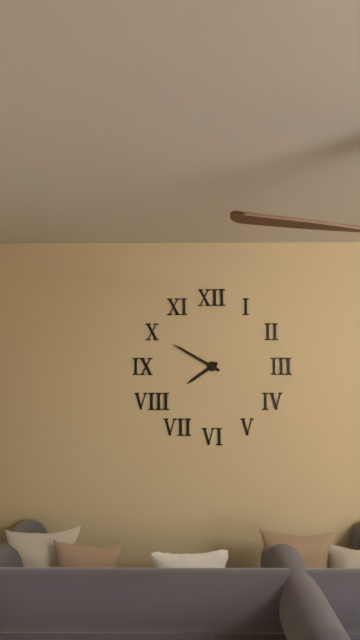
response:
h=7 m=50
